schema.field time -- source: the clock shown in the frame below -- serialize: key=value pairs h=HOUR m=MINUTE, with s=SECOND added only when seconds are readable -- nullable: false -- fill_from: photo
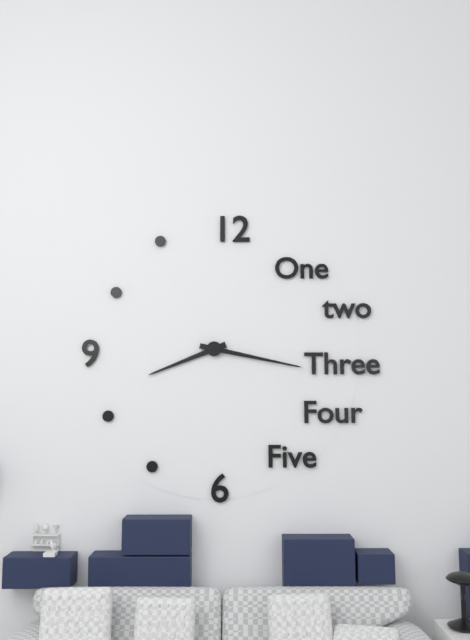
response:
h=8 m=17
